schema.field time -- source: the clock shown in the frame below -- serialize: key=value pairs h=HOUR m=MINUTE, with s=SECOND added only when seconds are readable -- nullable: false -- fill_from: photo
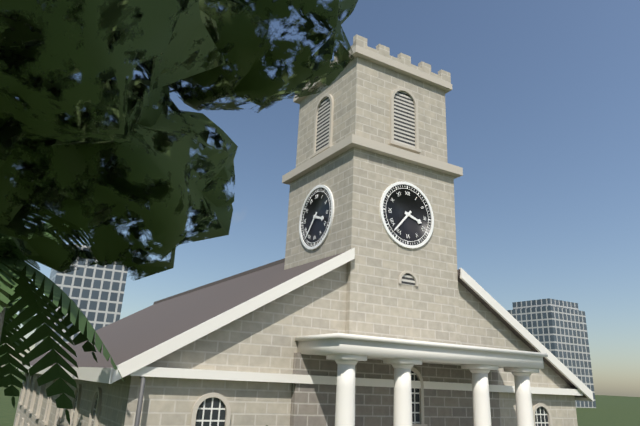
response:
h=3 m=37
